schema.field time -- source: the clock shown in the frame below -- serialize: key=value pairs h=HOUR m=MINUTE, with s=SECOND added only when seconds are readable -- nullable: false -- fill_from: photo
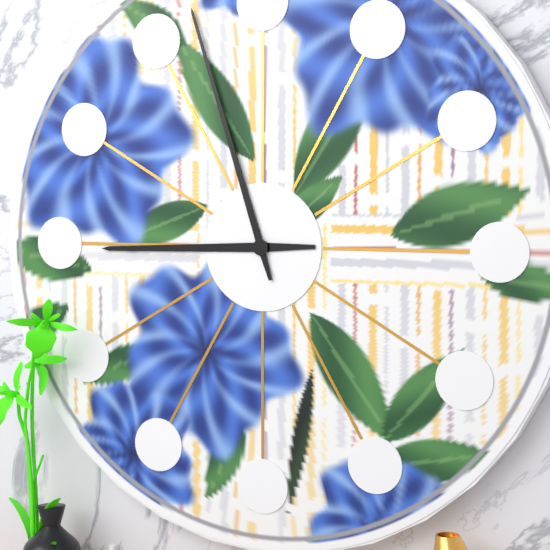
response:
h=8 m=57
